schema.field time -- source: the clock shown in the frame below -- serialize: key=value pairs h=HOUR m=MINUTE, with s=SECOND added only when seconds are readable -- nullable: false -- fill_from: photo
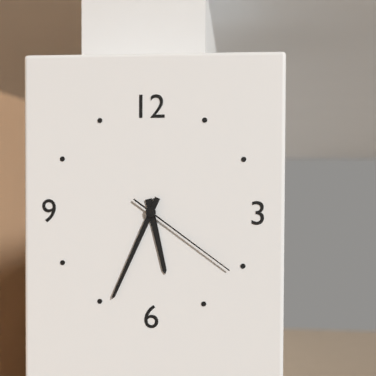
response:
h=5 m=34 s=21
